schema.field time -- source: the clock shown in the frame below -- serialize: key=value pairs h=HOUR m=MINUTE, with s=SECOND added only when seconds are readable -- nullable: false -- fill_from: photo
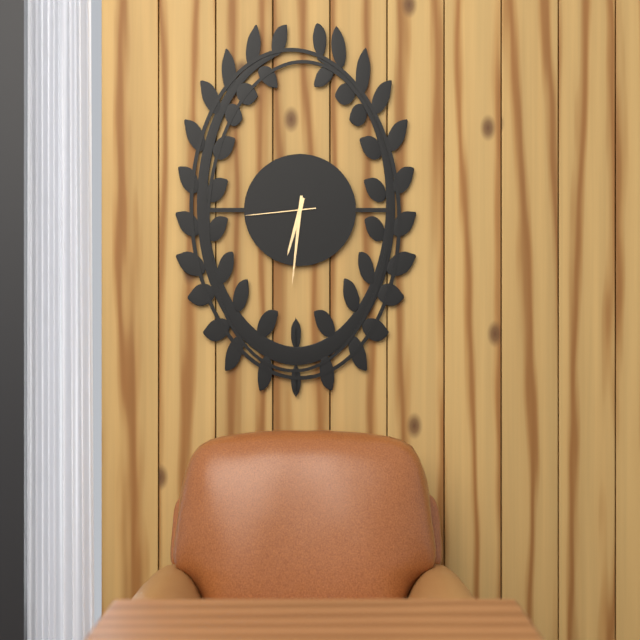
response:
h=6 m=31 s=44
